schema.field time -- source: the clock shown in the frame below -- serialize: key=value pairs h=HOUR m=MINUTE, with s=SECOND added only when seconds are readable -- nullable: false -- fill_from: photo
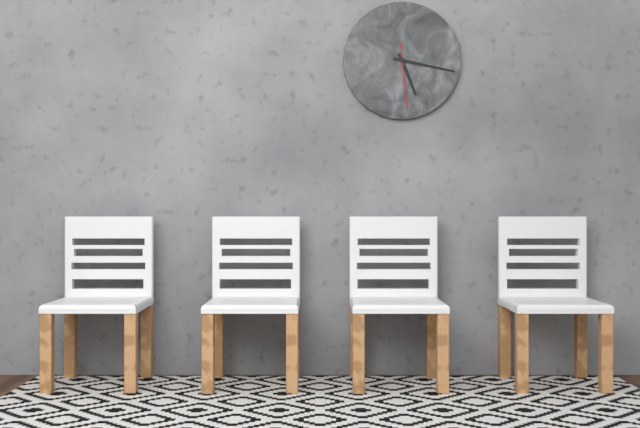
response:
h=5 m=17 s=29
